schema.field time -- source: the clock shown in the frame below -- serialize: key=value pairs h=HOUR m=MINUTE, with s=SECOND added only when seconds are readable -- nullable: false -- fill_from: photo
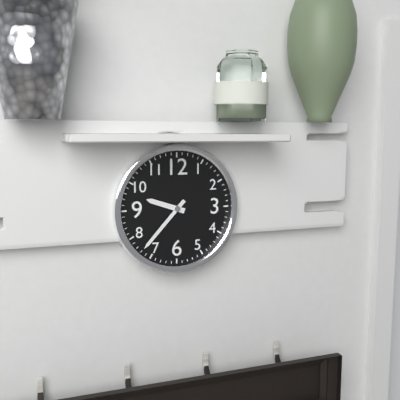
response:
h=9 m=37
